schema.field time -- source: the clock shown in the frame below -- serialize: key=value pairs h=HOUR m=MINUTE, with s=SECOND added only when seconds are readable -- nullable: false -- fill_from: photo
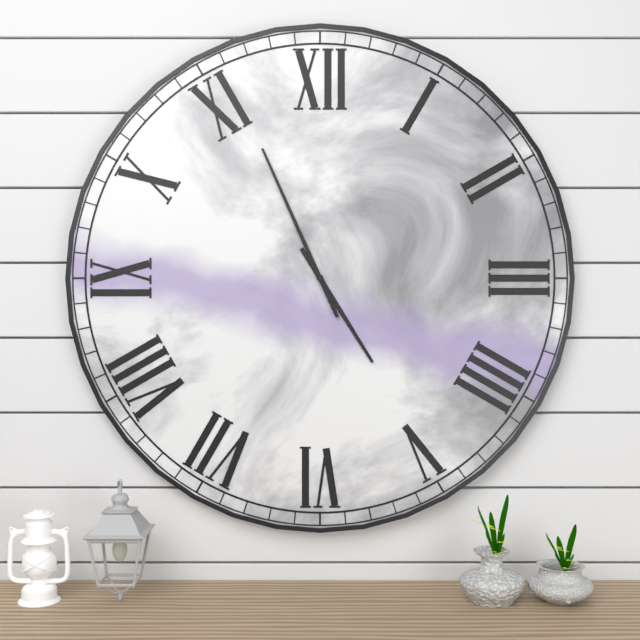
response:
h=4 m=56
